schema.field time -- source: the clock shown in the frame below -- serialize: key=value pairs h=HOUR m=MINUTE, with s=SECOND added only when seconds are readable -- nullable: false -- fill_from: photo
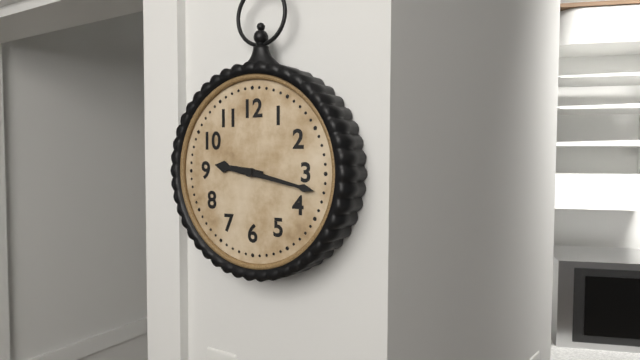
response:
h=9 m=17
